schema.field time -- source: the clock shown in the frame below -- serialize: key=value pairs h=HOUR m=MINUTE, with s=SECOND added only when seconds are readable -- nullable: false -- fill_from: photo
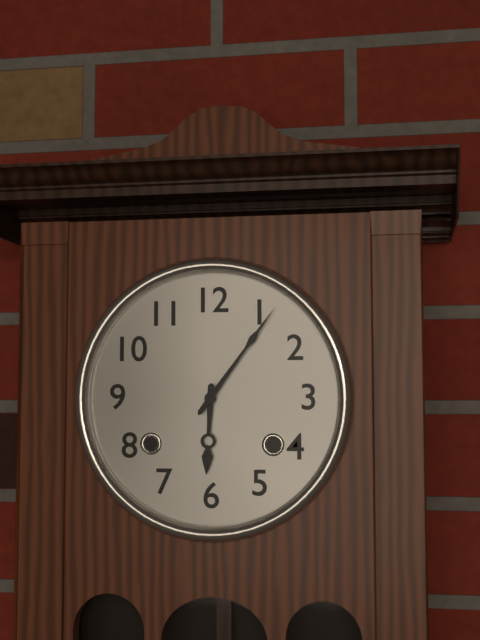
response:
h=6 m=6
